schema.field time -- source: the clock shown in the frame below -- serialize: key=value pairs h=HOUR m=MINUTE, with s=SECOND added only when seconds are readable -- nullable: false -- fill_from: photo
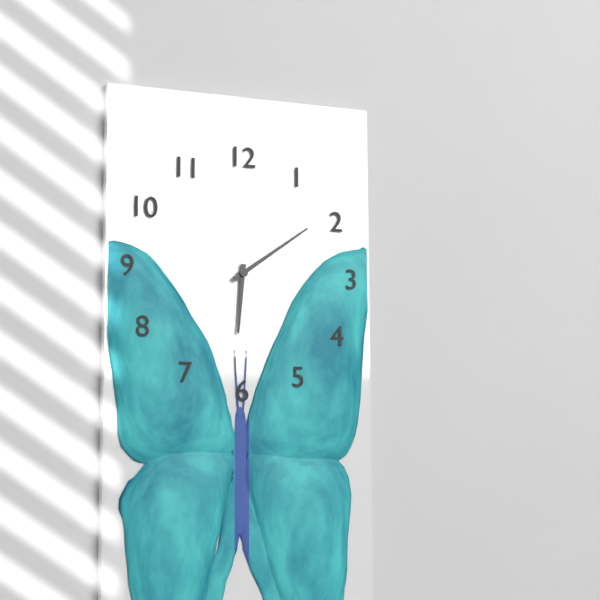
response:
h=6 m=9
